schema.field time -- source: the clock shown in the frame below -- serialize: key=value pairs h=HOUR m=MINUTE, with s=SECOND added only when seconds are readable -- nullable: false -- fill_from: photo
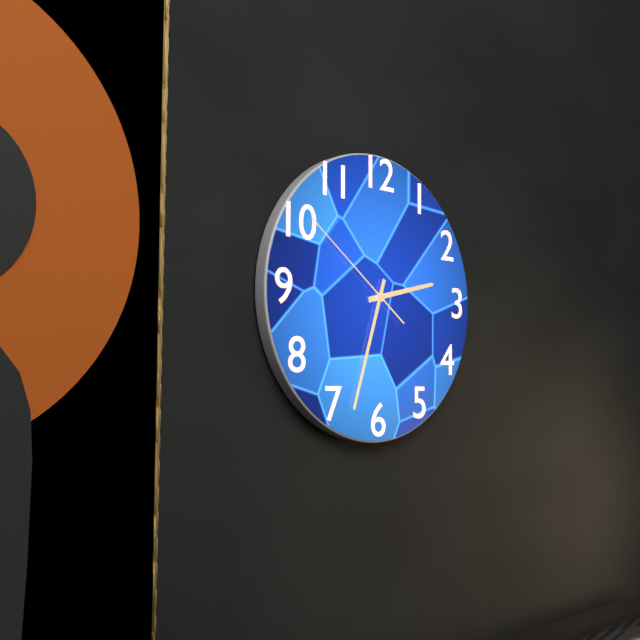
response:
h=2 m=33 s=51
